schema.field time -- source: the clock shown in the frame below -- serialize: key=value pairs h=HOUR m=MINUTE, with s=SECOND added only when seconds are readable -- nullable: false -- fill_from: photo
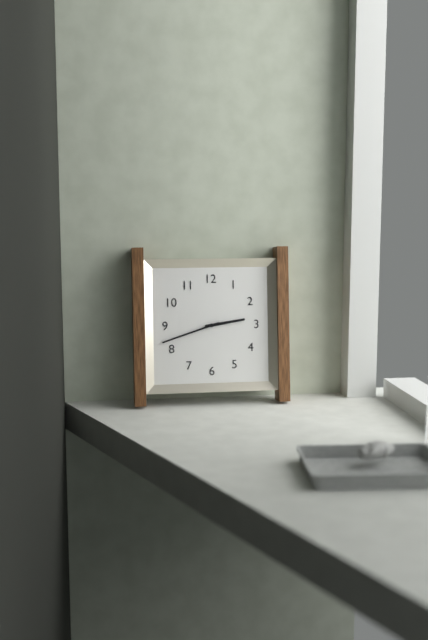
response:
h=2 m=42
